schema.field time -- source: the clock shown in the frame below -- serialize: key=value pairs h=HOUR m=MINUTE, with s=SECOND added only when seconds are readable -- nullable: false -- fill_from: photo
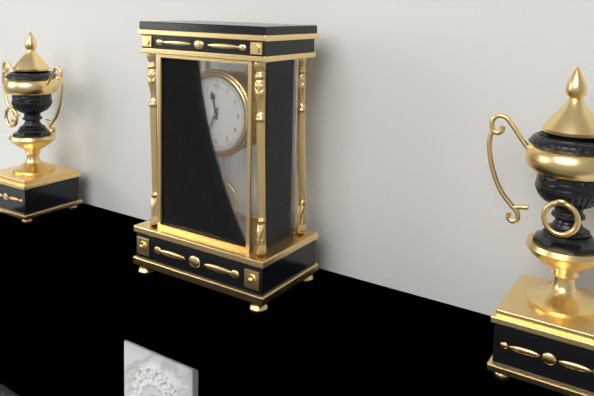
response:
h=11 m=34
